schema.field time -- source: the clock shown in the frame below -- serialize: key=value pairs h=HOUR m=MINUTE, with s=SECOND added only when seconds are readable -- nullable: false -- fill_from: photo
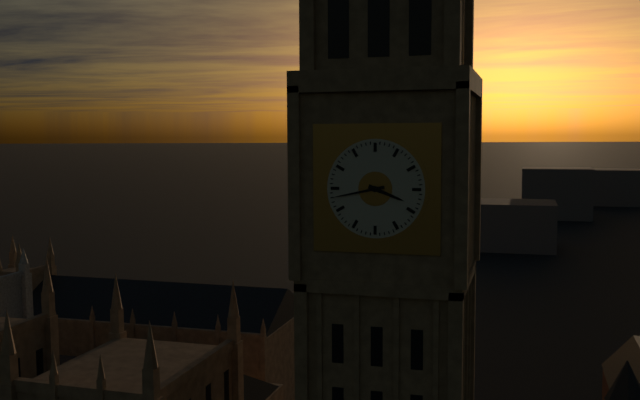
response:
h=3 m=43
